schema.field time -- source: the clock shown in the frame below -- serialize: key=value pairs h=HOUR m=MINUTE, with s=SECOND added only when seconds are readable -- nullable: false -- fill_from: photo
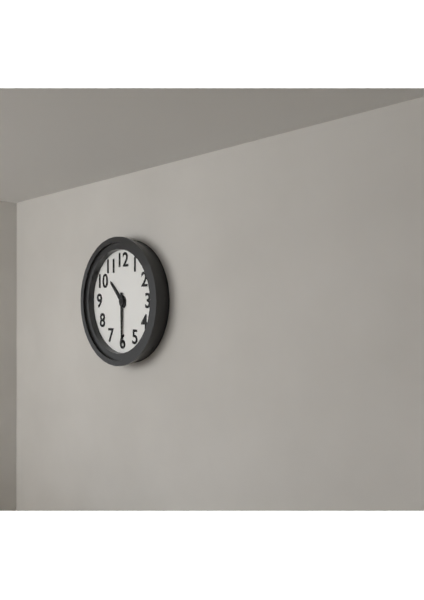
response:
h=10 m=30
